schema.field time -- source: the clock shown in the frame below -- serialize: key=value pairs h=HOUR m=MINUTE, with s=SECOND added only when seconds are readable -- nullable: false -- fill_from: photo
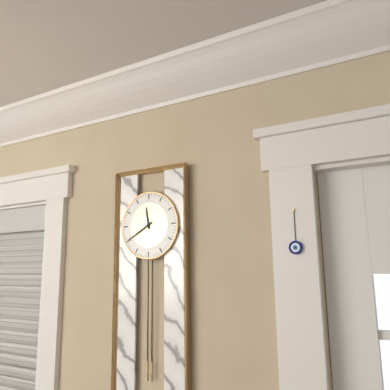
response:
h=11 m=40
